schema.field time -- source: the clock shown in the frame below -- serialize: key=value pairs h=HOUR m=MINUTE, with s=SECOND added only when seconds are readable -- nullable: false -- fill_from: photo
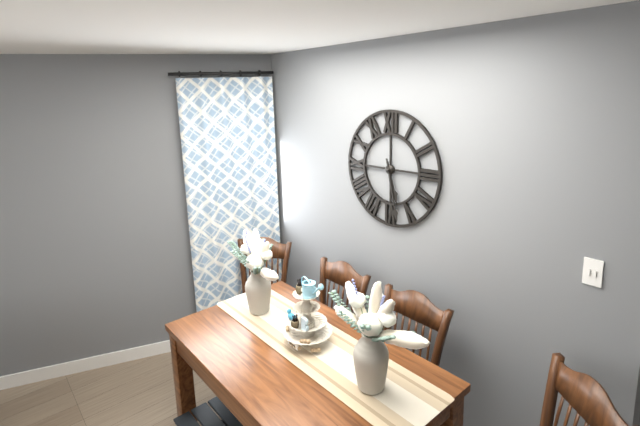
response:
h=5 m=28
